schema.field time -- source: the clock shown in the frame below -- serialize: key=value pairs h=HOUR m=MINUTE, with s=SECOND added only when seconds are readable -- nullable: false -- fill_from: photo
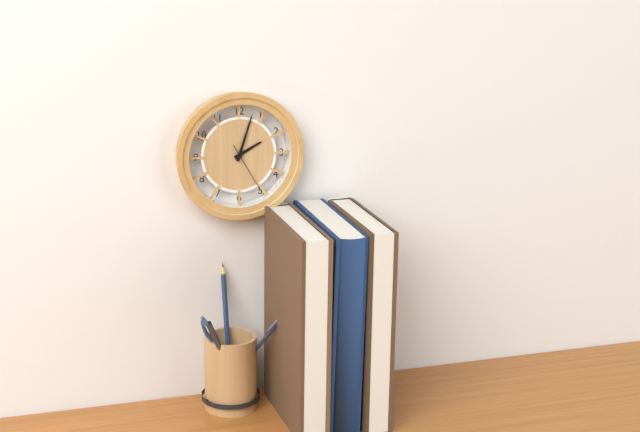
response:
h=2 m=3 s=25
